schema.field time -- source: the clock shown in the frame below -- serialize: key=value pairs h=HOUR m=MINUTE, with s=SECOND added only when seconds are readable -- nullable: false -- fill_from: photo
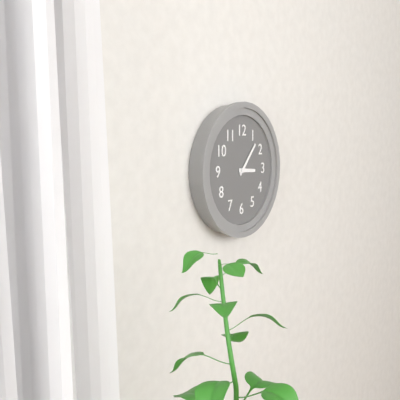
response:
h=3 m=7
